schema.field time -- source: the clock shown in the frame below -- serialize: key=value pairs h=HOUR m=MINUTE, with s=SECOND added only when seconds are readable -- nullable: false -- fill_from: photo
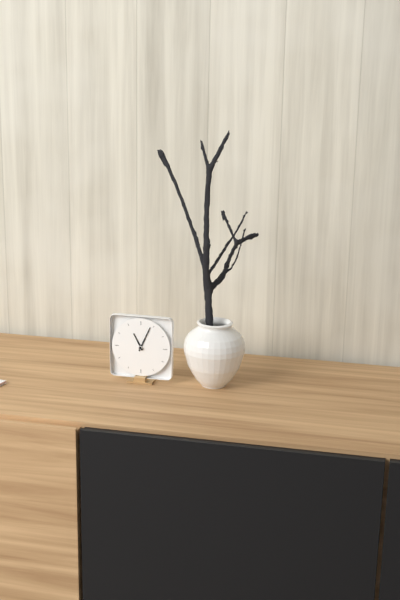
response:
h=11 m=4
